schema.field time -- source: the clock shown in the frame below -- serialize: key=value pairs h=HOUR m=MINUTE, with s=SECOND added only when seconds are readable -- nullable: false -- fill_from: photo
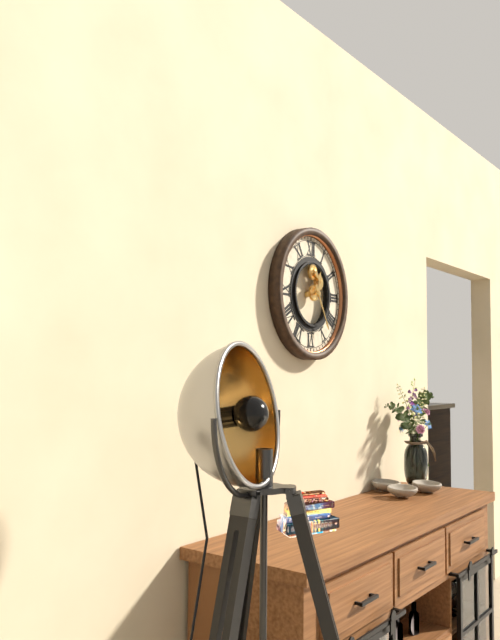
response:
h=12 m=25
